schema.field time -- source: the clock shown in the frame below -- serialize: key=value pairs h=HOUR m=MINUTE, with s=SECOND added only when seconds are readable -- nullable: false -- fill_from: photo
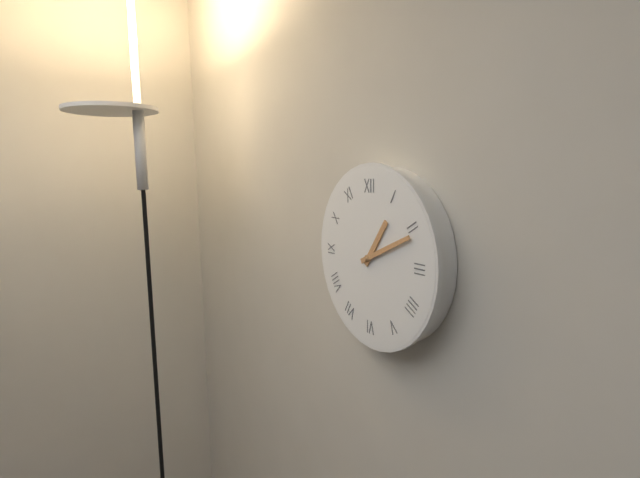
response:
h=1 m=11
